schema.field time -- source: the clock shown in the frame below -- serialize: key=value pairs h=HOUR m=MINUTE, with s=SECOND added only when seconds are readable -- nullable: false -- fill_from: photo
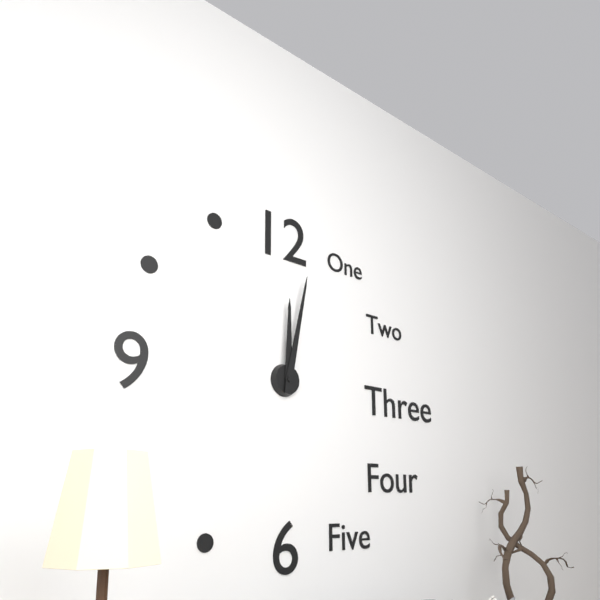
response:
h=12 m=2
